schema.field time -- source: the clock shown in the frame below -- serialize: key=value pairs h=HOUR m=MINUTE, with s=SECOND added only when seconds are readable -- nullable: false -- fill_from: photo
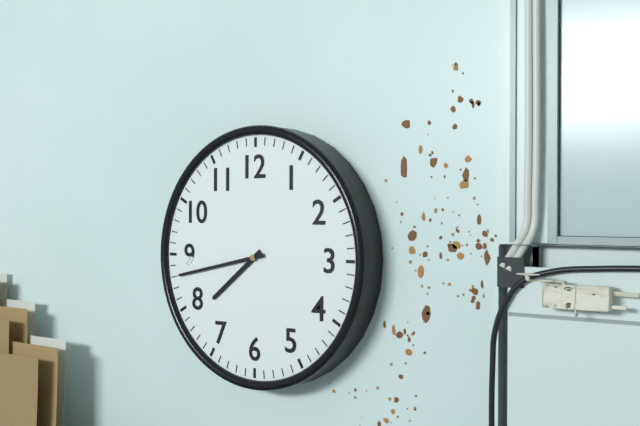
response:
h=7 m=43
